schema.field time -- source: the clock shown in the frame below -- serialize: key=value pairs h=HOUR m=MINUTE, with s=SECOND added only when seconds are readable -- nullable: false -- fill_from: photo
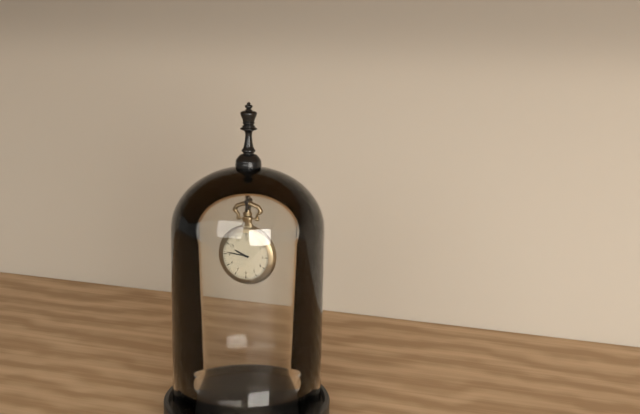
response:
h=9 m=46
